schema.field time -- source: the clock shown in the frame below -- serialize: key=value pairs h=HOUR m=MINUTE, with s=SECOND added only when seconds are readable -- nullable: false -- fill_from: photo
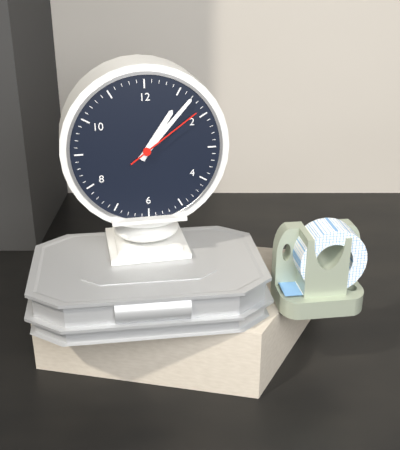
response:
h=1 m=7 s=9
